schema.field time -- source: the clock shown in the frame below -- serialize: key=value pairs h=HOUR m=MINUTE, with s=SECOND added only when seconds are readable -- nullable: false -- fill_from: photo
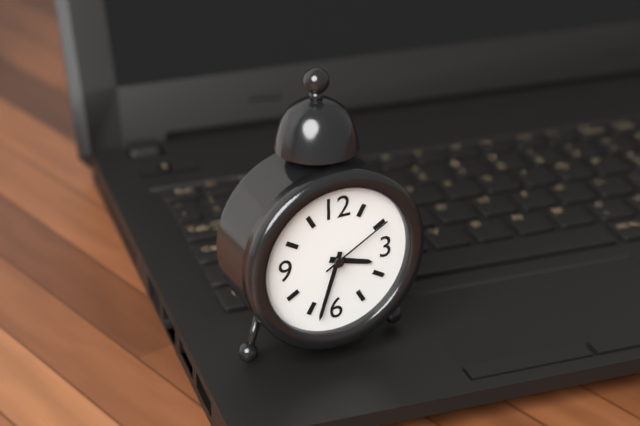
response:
h=3 m=33 s=10
